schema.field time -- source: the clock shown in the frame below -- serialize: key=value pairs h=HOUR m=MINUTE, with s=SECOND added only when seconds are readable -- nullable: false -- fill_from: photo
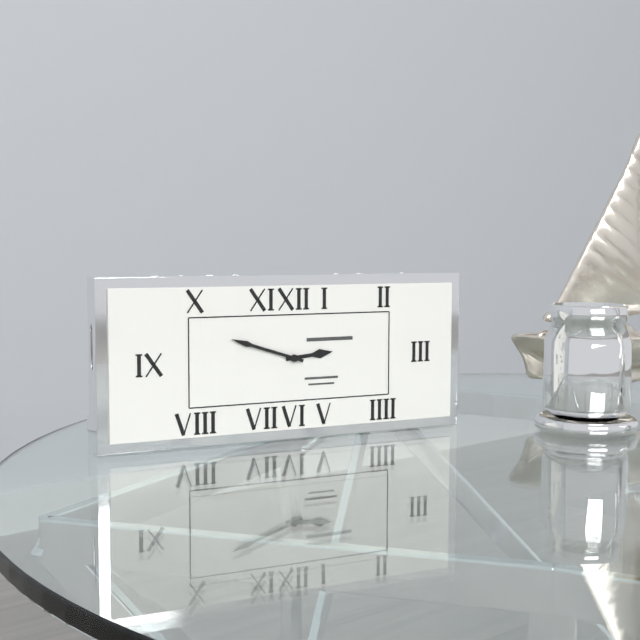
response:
h=2 m=48
